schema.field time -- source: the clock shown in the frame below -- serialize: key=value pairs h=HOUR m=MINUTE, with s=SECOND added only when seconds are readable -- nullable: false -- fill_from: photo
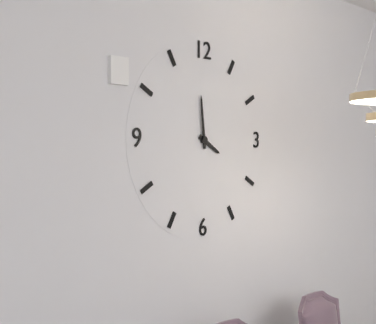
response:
h=3 m=59
